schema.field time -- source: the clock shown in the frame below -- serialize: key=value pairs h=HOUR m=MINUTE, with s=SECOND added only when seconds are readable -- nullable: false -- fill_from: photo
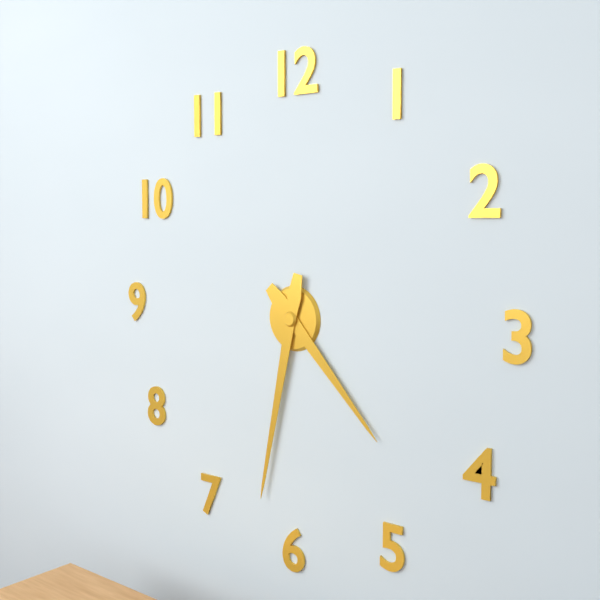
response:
h=4 m=32
